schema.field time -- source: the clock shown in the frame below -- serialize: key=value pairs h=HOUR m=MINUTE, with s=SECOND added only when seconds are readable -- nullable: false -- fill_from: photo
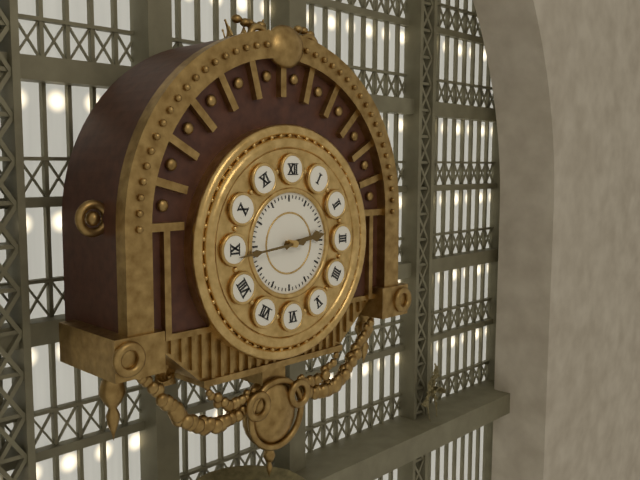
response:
h=2 m=44
